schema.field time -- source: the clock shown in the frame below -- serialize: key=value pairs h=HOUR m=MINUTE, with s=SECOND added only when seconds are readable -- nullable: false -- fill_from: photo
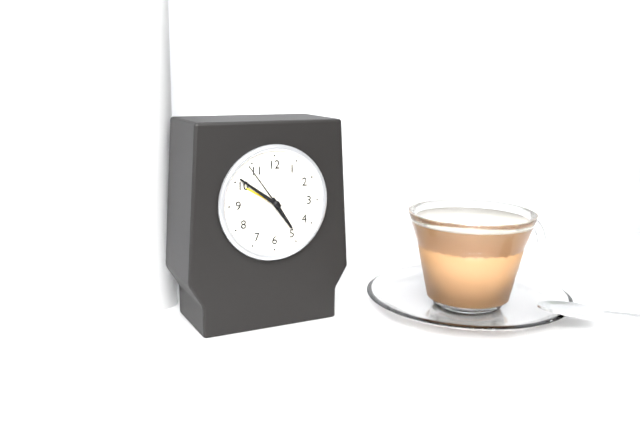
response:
h=4 m=51 s=54
